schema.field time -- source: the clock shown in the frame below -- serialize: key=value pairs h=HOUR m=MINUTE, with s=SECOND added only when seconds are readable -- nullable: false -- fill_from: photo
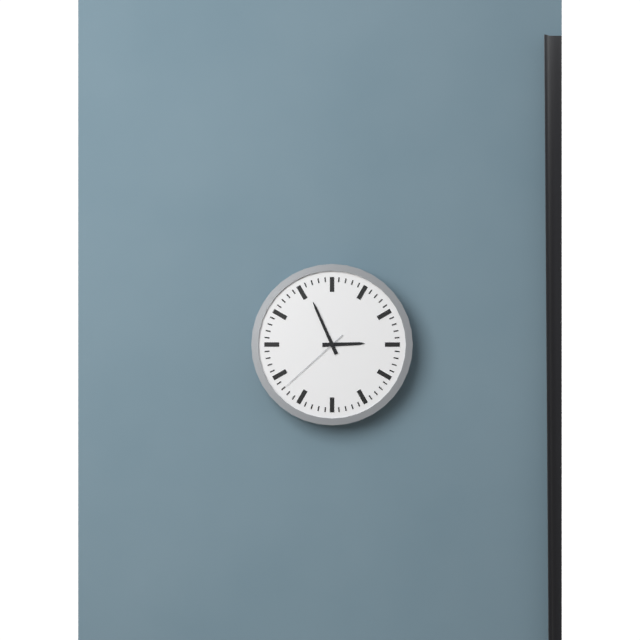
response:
h=2 m=56 s=38
